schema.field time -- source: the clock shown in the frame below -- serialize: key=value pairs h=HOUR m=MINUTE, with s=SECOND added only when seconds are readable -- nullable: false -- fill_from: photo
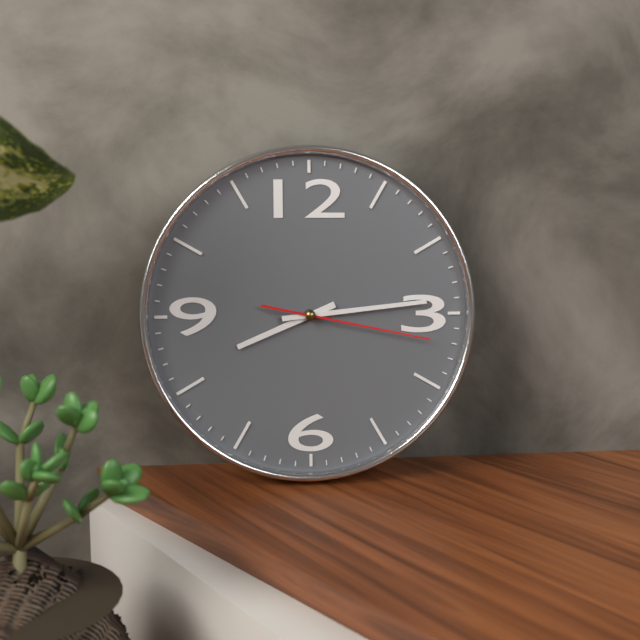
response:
h=8 m=14 s=17
